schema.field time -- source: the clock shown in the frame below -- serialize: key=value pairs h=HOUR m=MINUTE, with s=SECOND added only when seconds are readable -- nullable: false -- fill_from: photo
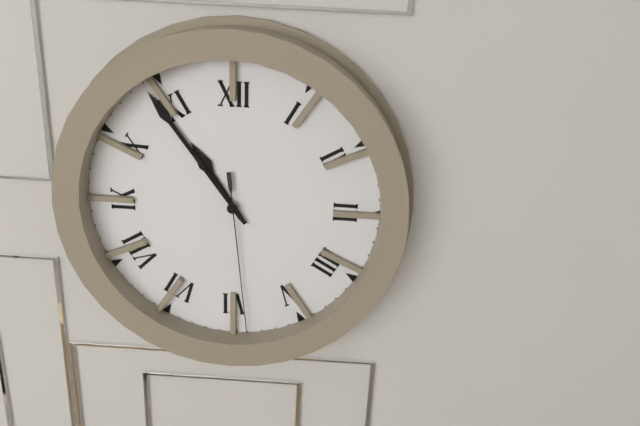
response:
h=10 m=54 s=29
